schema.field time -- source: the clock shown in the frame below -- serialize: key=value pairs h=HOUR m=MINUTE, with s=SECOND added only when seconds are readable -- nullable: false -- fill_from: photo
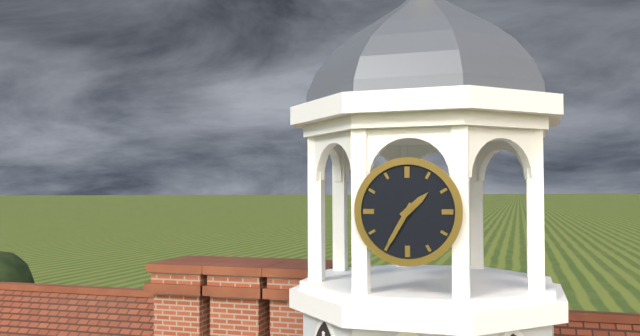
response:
h=1 m=35
